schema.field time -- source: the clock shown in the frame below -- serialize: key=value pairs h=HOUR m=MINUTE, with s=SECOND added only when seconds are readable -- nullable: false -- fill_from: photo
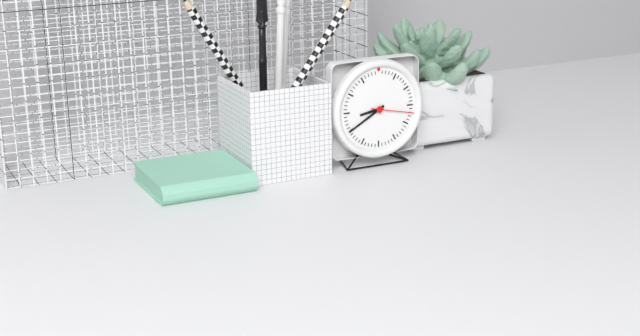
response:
h=8 m=40
